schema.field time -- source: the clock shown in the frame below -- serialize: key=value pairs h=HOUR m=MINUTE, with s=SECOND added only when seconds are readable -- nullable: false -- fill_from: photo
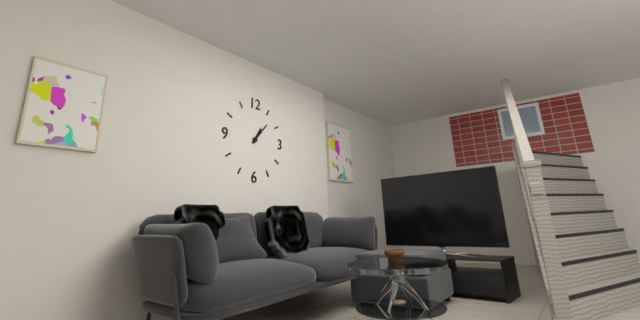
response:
h=1 m=7
